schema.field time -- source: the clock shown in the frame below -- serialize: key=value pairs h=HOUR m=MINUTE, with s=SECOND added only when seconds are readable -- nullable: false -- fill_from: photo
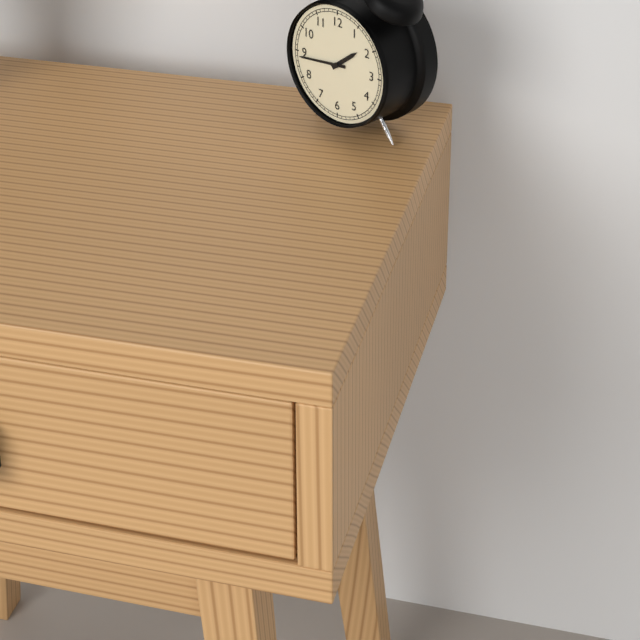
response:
h=1 m=44
